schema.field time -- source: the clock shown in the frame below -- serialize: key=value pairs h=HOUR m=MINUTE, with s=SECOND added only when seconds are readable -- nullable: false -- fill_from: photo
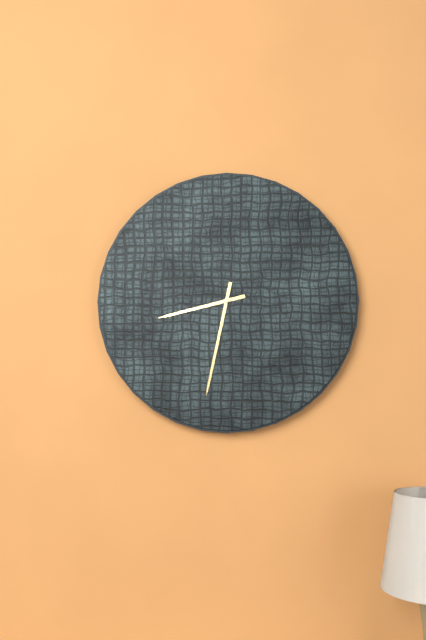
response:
h=8 m=32
